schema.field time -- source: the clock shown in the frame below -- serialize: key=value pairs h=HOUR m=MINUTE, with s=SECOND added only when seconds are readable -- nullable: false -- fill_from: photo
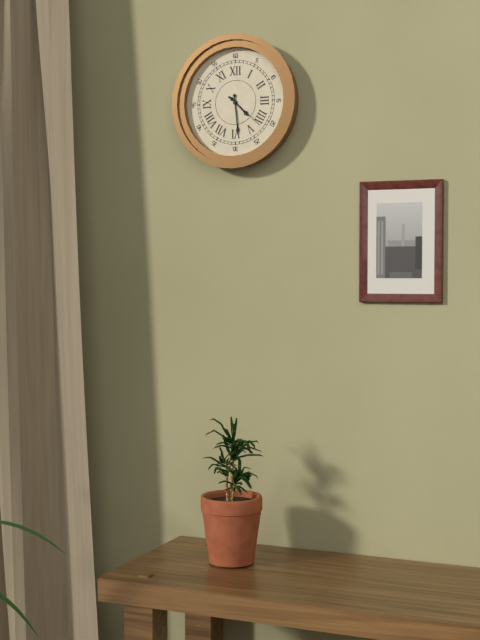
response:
h=4 m=29
